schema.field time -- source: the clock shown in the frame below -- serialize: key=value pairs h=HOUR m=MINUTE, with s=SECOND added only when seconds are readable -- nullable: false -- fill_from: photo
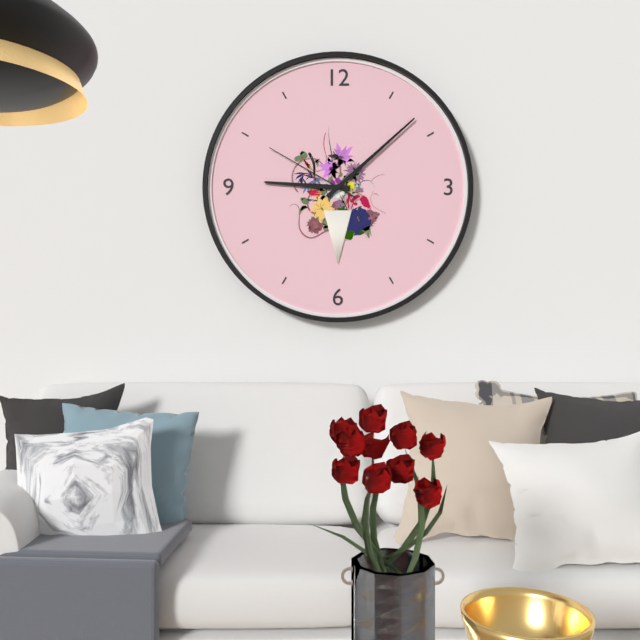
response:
h=9 m=8 s=50
